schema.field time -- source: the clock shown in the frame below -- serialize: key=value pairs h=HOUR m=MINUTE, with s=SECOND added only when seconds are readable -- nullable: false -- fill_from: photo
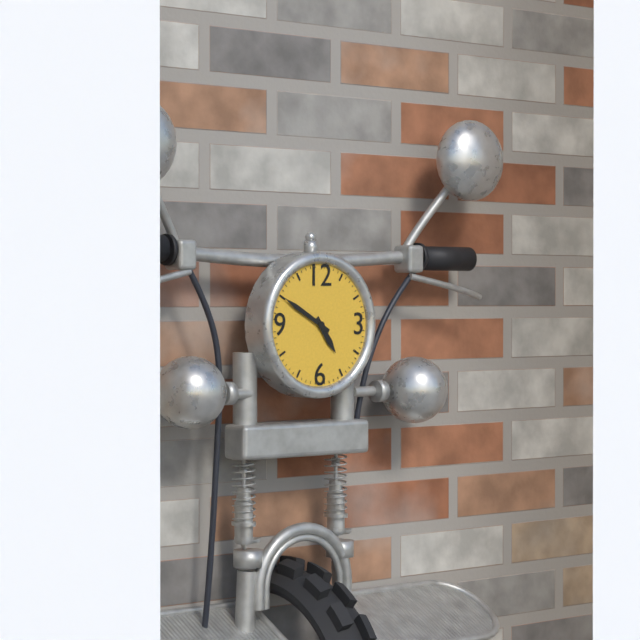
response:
h=4 m=50
